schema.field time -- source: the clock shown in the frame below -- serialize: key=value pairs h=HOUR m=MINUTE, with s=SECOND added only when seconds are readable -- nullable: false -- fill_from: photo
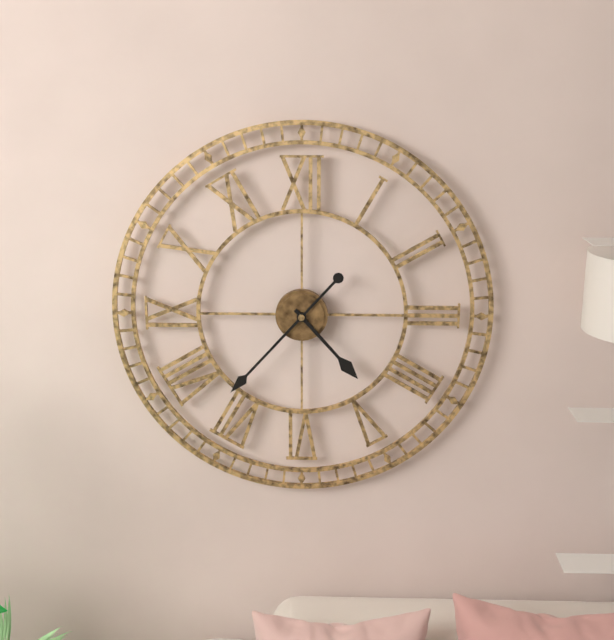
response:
h=4 m=37
